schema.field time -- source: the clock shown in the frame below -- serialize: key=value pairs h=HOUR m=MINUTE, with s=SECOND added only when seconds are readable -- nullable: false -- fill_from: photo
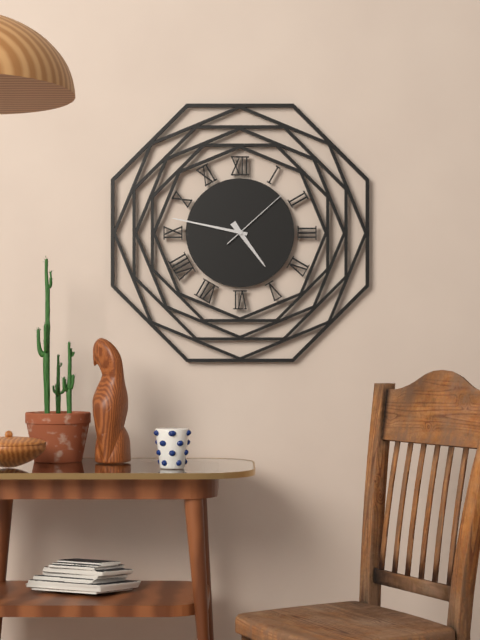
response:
h=4 m=47 s=8
